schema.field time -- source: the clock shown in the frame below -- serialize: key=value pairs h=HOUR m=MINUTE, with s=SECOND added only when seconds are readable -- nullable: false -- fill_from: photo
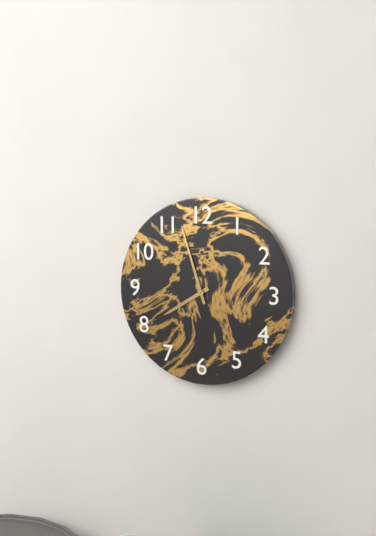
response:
h=7 m=57
